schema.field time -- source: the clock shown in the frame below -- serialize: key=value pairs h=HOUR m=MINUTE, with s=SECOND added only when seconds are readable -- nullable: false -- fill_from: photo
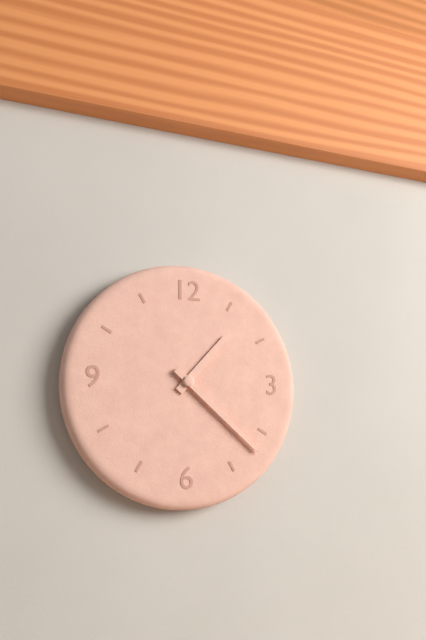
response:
h=1 m=22
